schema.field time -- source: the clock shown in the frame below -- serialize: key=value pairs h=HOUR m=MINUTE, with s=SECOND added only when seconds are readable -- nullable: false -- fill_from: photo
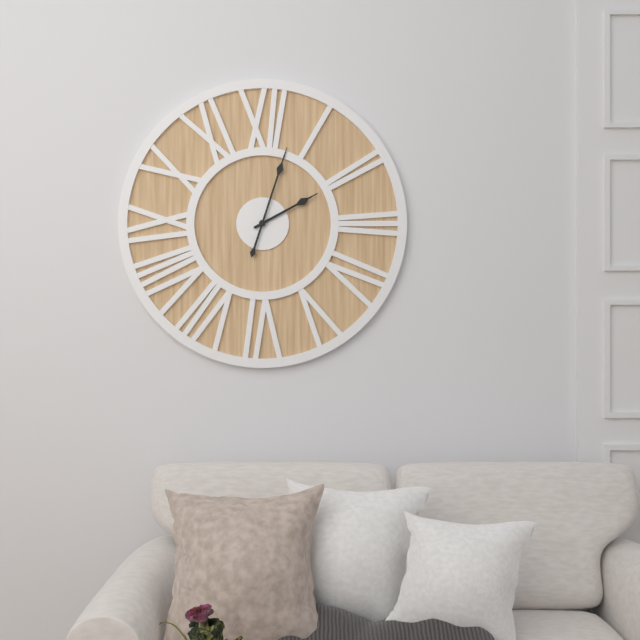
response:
h=2 m=3
